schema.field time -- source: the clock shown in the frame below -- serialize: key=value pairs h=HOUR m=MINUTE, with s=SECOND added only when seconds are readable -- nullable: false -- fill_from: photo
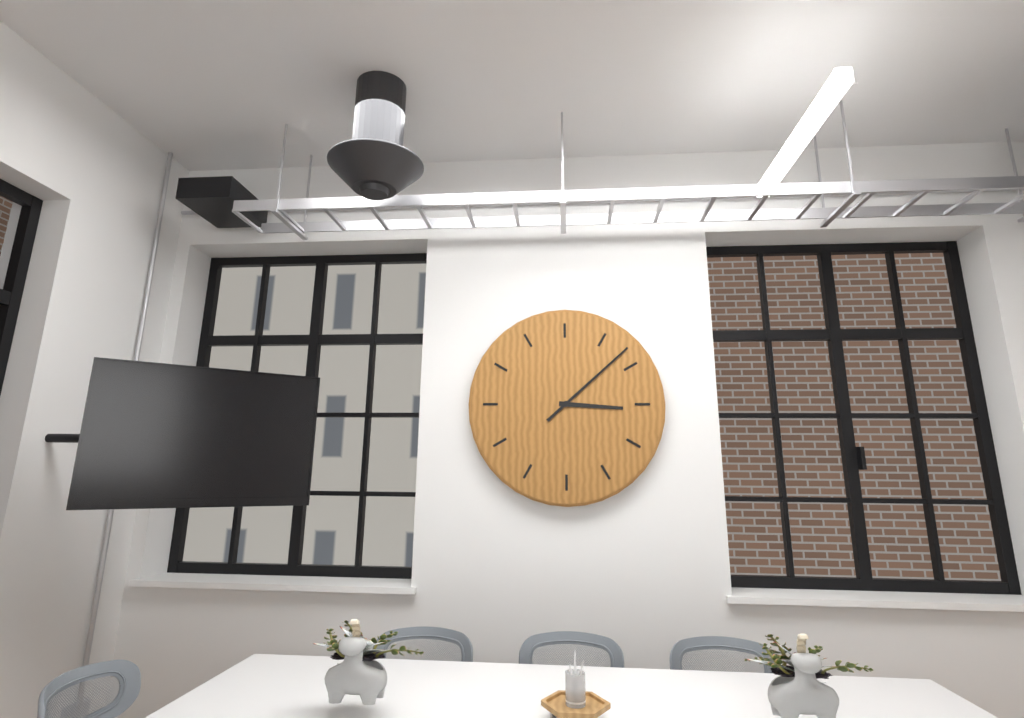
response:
h=3 m=8
